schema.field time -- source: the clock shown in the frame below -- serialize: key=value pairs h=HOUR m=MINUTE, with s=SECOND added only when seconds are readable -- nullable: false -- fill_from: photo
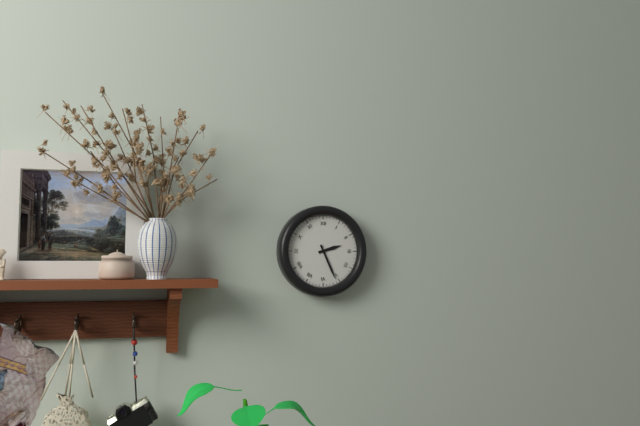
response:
h=2 m=26
